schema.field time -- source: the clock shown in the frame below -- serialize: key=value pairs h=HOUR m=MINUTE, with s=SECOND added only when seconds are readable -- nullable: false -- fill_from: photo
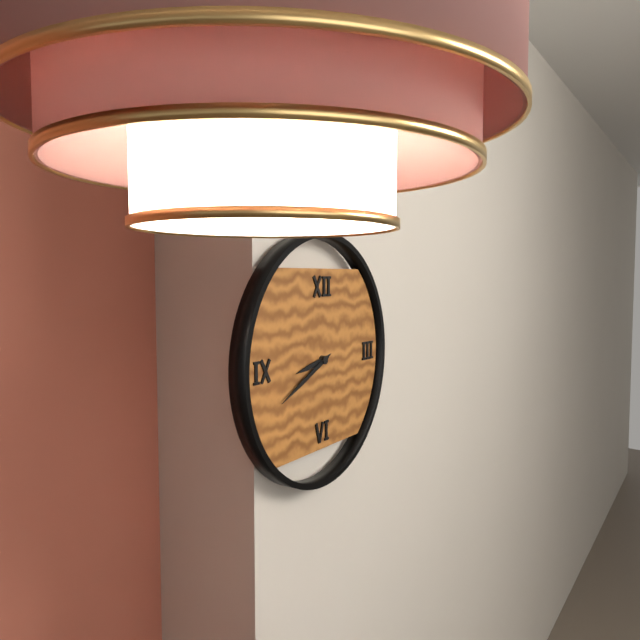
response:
h=8 m=41
